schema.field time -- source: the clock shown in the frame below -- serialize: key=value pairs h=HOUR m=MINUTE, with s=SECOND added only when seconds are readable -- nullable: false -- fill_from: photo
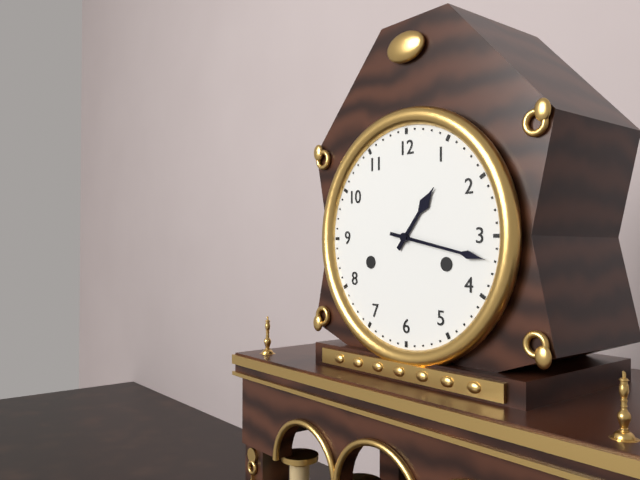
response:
h=1 m=17
